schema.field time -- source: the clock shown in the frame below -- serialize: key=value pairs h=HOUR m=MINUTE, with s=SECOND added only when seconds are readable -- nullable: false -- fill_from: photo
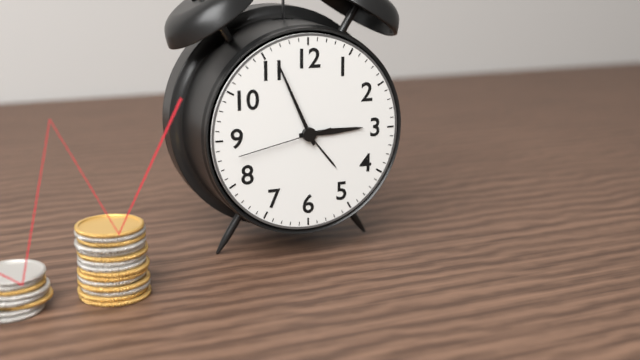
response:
h=2 m=56 s=43
